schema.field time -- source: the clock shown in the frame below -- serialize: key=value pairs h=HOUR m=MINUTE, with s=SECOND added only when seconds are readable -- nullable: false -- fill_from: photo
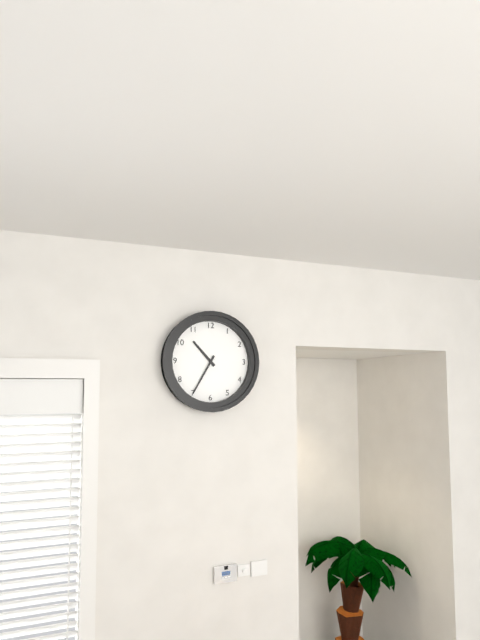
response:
h=10 m=35
